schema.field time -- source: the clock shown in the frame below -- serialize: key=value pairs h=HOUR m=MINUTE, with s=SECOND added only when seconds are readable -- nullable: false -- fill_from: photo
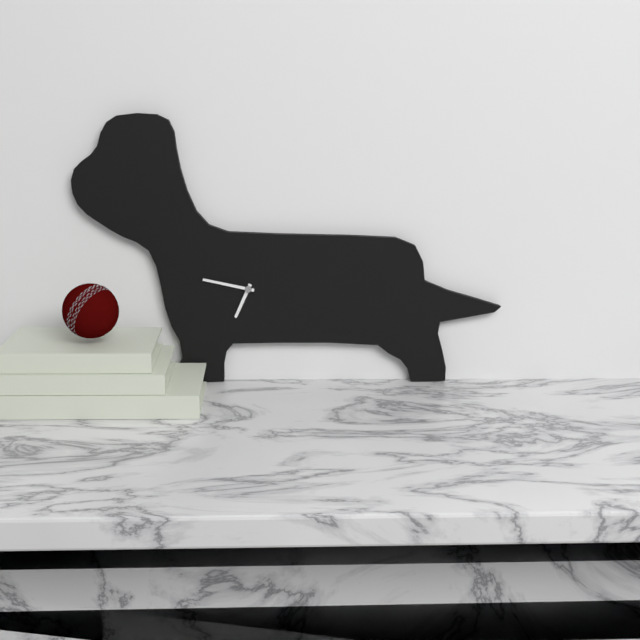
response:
h=6 m=47
